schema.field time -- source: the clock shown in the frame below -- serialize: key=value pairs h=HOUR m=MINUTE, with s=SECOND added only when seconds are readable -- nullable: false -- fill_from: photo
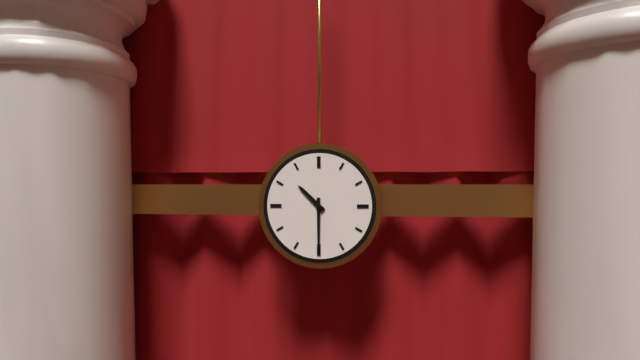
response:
h=10 m=30
